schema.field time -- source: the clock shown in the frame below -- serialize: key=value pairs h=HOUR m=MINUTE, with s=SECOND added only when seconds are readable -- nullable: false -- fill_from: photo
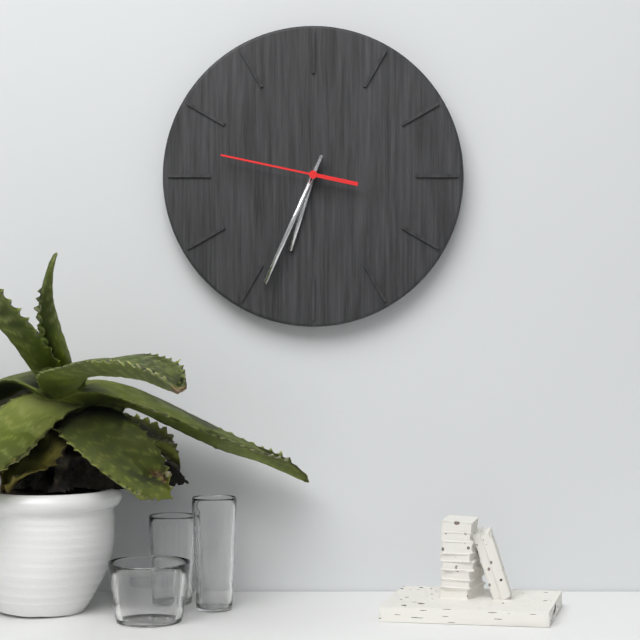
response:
h=6 m=34 s=47
